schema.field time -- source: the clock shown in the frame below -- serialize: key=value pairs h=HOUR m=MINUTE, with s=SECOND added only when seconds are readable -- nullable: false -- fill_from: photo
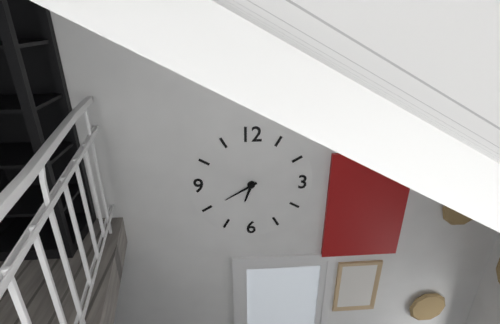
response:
h=6 m=40
